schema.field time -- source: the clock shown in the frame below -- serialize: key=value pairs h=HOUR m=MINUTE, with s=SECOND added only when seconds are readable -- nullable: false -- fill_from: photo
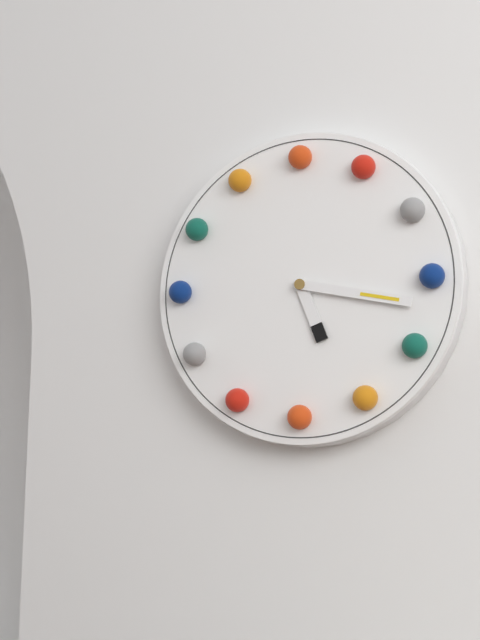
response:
h=5 m=17
